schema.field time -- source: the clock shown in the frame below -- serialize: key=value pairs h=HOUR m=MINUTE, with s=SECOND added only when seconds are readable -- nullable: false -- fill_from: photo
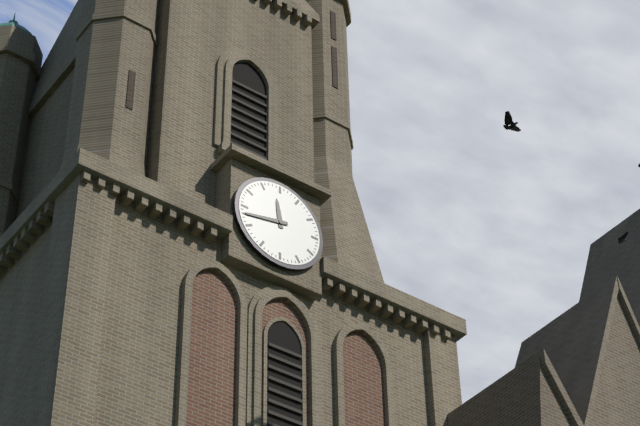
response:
h=11 m=43
